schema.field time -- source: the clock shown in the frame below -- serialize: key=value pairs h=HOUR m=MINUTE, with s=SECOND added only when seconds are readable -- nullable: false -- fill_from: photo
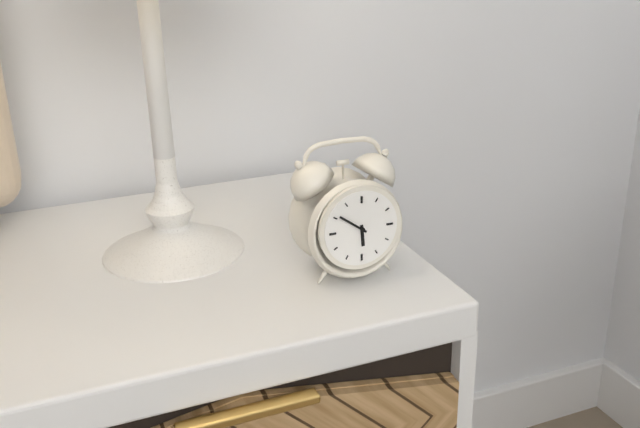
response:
h=5 m=51
